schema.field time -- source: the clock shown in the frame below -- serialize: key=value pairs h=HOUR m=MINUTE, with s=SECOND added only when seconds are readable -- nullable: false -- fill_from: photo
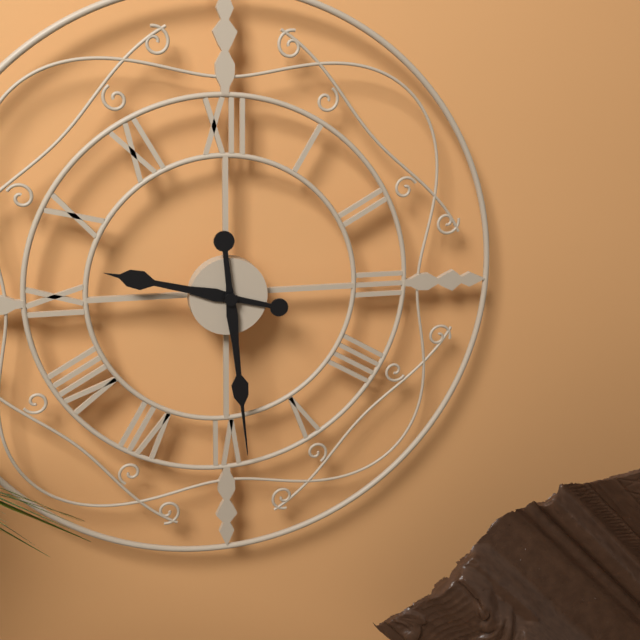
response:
h=9 m=29
